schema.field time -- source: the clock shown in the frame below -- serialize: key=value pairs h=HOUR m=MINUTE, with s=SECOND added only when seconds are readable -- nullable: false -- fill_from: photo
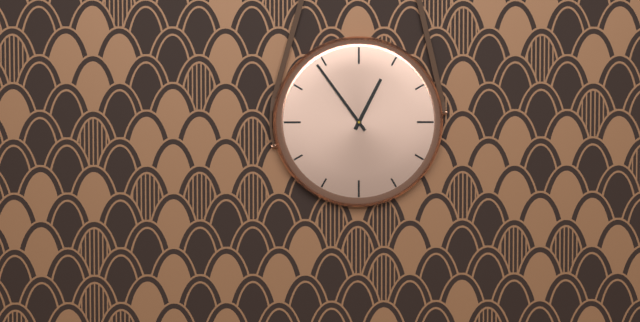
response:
h=12 m=54
